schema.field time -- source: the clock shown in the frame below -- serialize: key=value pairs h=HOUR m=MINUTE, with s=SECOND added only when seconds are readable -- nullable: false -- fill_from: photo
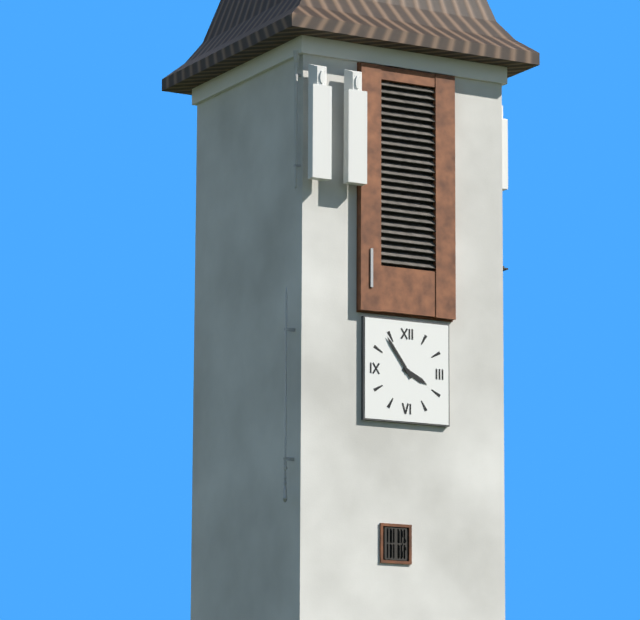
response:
h=3 m=54
